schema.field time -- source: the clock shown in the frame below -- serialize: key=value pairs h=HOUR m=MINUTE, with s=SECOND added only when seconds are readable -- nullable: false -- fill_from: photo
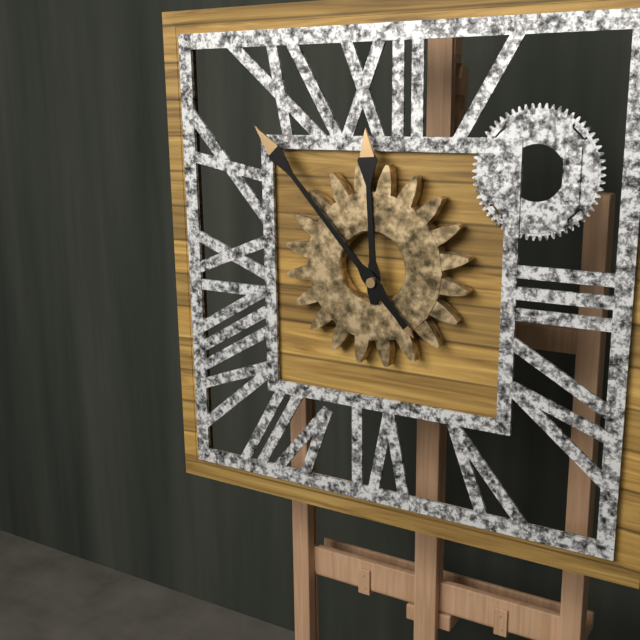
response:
h=11 m=53
